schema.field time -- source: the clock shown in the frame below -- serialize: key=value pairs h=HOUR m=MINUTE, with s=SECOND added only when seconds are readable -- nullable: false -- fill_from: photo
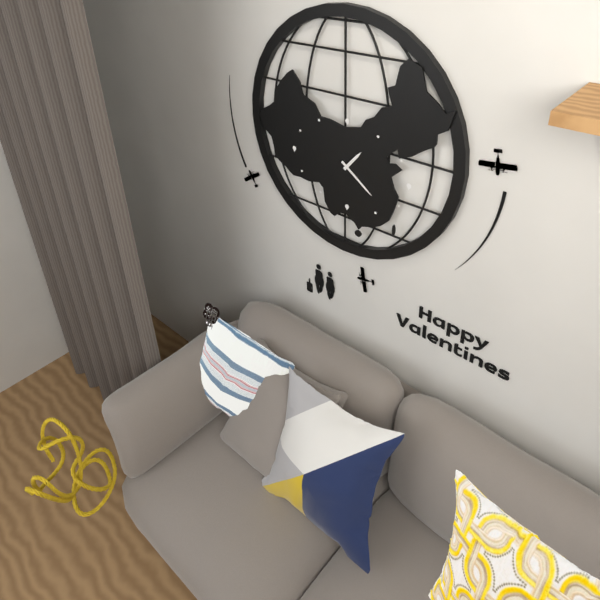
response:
h=1 m=21
